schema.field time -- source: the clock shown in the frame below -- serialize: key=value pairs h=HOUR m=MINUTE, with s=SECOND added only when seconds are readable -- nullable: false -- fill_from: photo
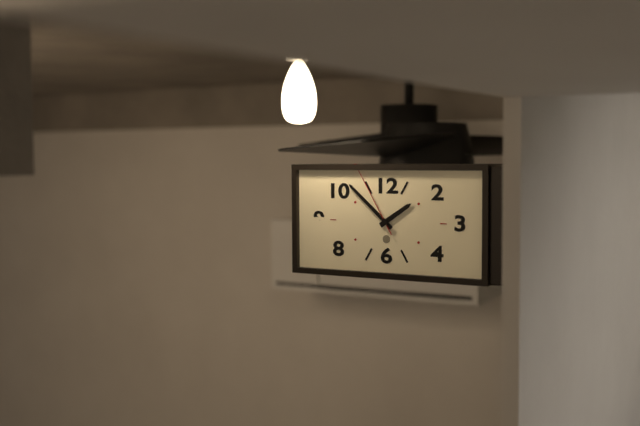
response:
h=1 m=52 s=55
